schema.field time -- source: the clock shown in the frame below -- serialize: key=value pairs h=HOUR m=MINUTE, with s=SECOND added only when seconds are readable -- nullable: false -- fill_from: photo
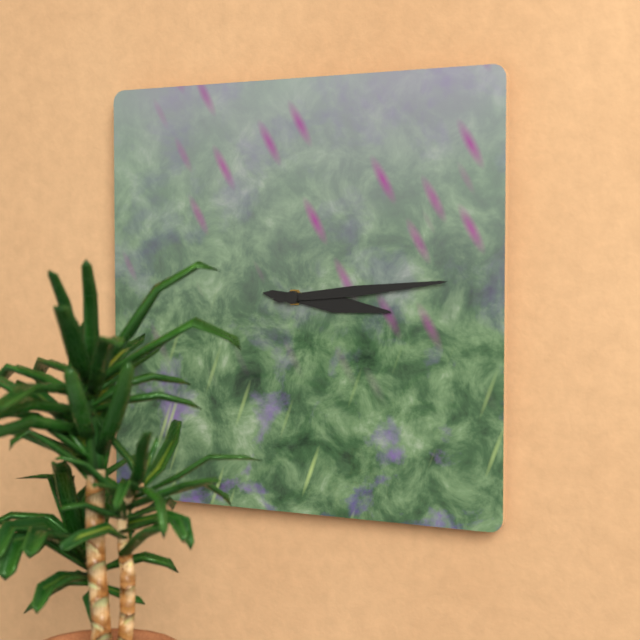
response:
h=3 m=14
